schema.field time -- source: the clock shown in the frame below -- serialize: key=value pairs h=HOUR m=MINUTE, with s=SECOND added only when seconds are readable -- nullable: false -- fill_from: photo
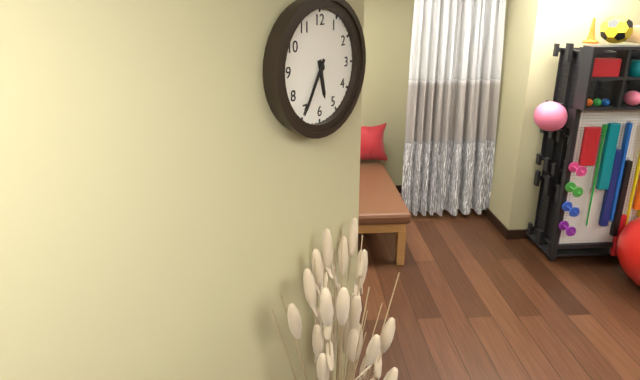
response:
h=5 m=35
